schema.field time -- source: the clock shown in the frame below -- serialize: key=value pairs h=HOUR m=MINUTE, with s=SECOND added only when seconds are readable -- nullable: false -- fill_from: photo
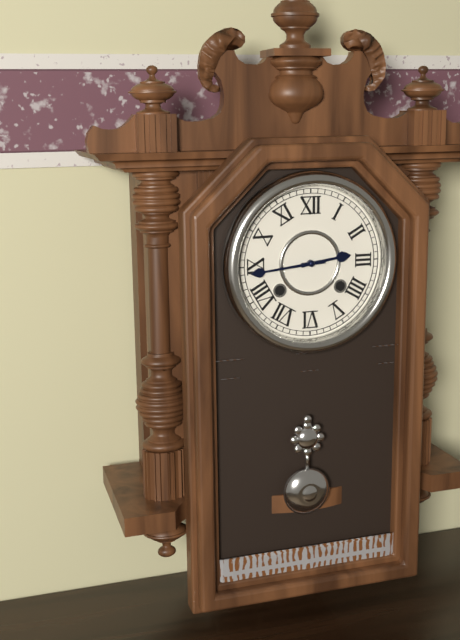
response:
h=2 m=44
